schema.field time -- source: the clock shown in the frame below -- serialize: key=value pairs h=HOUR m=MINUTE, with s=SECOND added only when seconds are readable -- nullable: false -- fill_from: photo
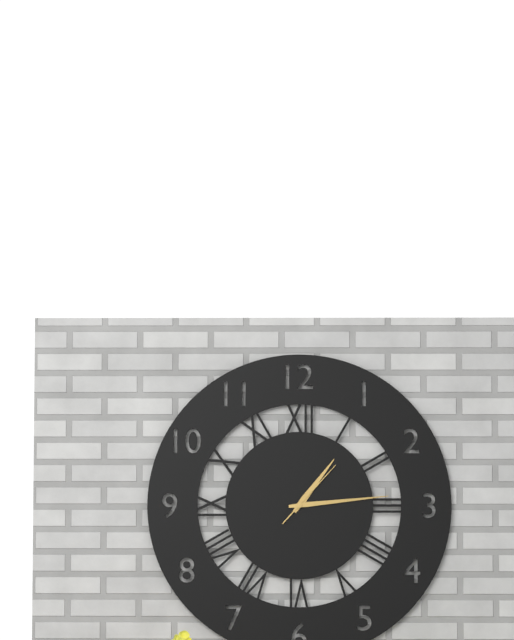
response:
h=1 m=14 s=7
